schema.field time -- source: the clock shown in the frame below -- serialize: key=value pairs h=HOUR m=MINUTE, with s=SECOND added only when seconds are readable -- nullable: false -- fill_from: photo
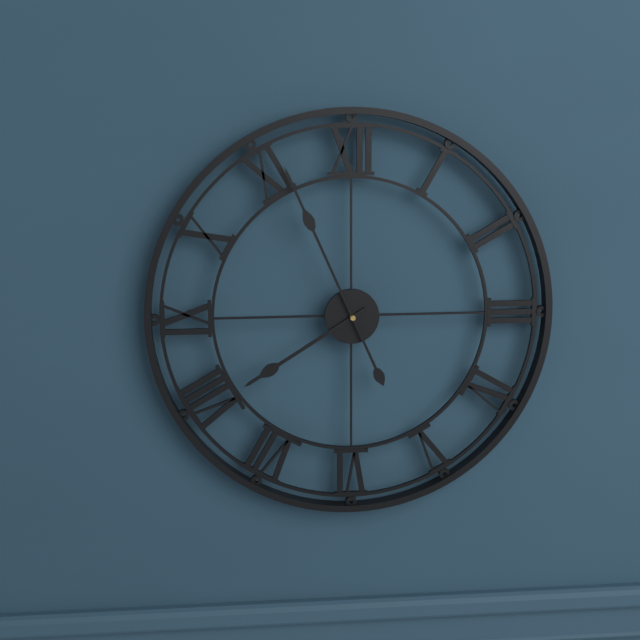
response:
h=7 m=56
